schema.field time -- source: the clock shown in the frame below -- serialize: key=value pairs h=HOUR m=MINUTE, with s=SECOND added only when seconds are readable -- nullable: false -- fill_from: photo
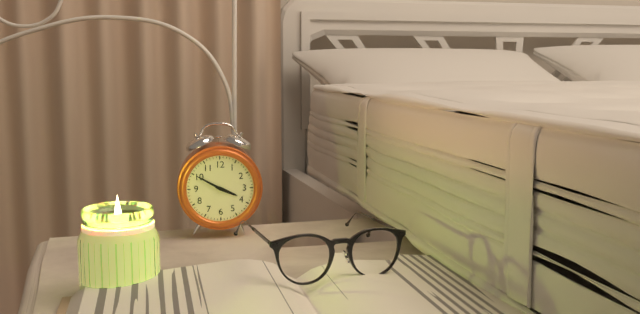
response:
h=3 m=50
